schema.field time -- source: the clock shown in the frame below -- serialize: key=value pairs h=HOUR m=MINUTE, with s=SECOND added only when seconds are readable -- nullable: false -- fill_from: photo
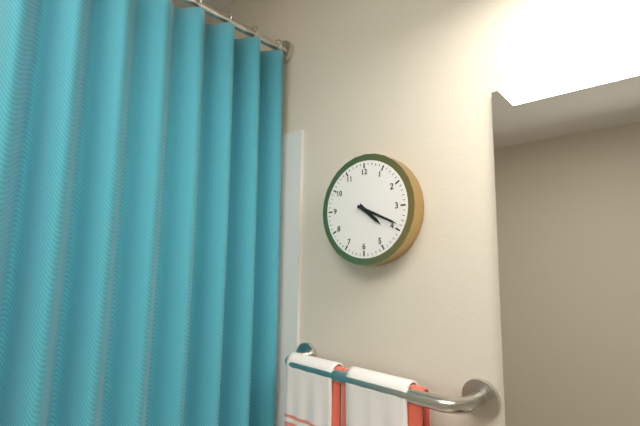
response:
h=4 m=19
